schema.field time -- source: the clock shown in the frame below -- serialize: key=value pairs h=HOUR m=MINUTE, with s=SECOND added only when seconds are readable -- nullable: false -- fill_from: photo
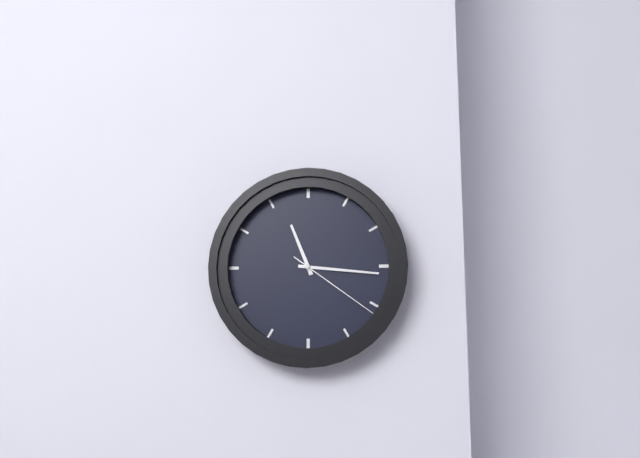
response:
h=11 m=16 s=21
